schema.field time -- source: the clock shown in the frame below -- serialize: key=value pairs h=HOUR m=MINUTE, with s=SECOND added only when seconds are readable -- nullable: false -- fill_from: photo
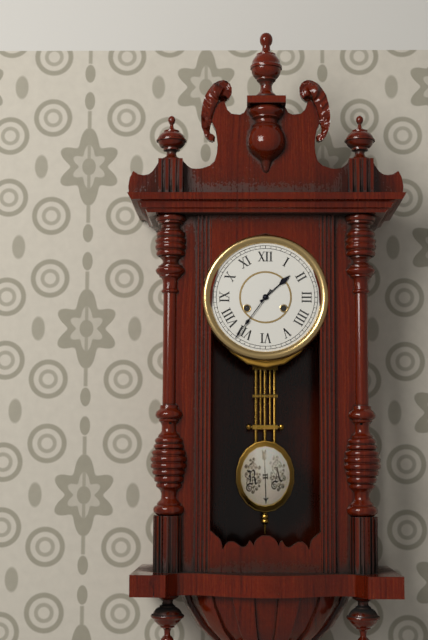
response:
h=1 m=36
